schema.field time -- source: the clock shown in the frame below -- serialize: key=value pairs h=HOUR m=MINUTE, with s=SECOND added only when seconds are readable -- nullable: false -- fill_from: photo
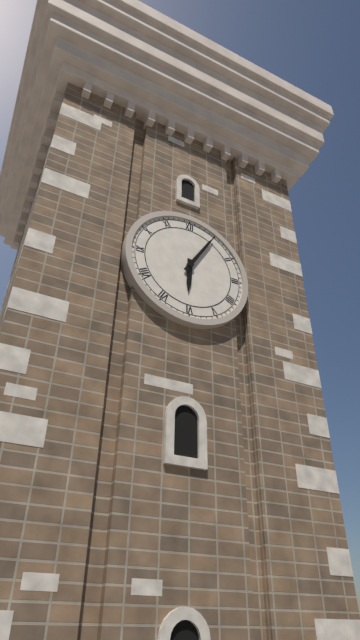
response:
h=6 m=5
